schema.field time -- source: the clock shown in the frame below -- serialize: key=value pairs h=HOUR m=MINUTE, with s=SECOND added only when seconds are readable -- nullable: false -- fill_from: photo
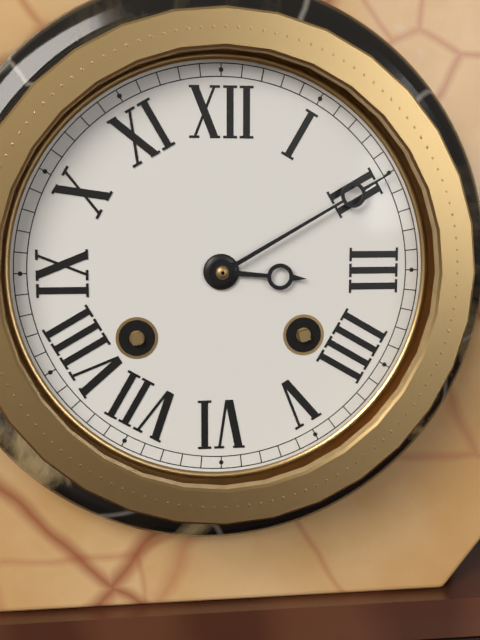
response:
h=3 m=10
